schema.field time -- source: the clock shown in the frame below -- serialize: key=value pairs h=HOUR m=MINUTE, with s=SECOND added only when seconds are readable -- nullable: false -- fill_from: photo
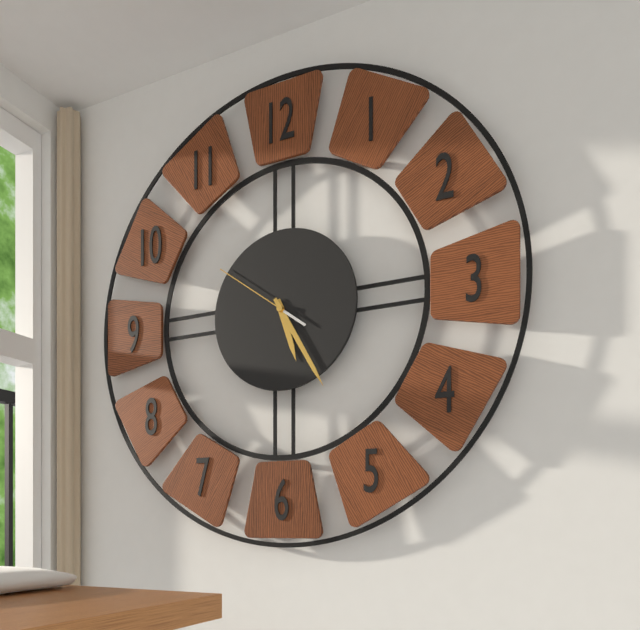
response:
h=5 m=25 s=51
